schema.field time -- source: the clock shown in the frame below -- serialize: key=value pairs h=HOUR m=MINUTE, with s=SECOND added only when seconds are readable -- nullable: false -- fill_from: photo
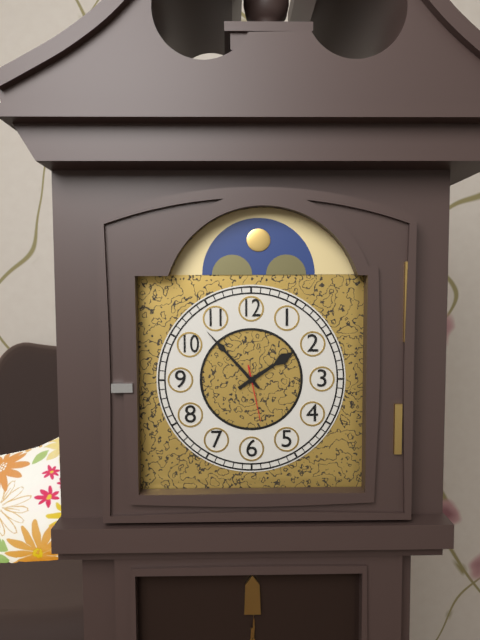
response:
h=1 m=53 s=28
